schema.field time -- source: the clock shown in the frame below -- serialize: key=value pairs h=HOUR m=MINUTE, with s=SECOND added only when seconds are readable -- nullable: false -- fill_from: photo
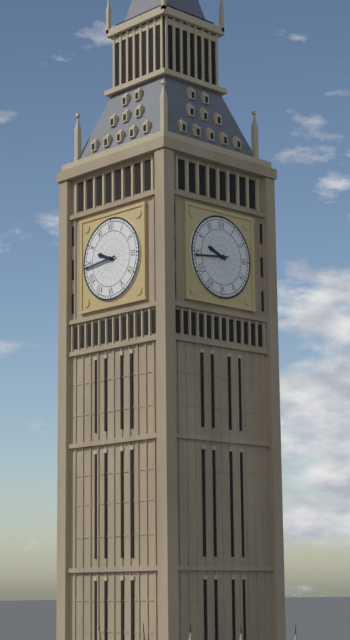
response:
h=9 m=44
